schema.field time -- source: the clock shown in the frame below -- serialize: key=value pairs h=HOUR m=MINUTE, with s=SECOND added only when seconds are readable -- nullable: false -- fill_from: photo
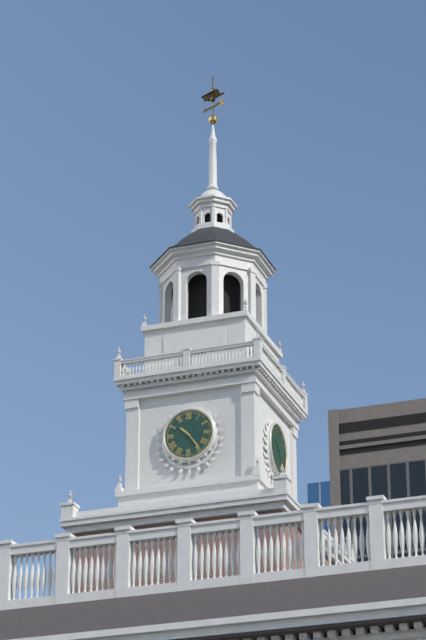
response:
h=10 m=24
